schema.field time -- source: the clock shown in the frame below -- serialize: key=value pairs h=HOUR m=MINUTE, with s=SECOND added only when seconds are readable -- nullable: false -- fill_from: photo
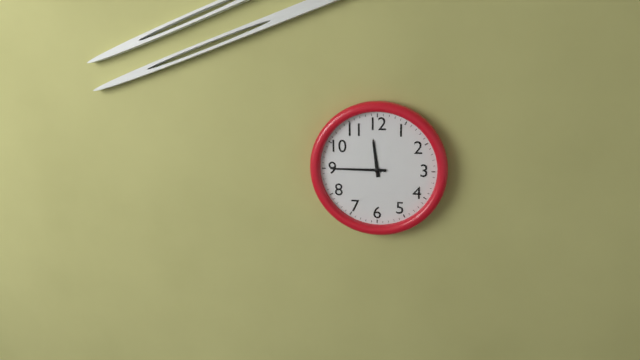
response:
h=11 m=45
